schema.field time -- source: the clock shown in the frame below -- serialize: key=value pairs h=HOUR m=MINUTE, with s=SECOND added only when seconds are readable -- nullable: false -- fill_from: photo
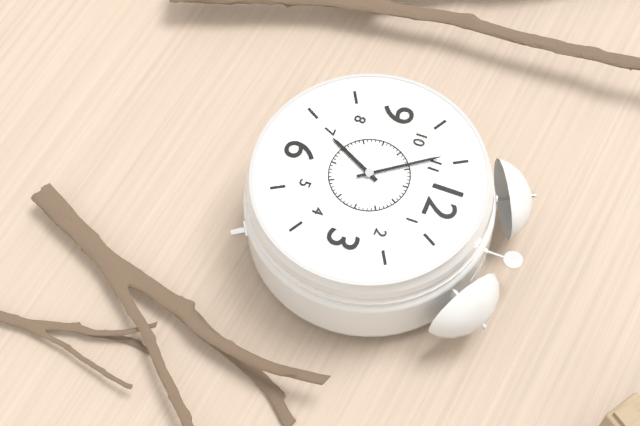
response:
h=6 m=54
